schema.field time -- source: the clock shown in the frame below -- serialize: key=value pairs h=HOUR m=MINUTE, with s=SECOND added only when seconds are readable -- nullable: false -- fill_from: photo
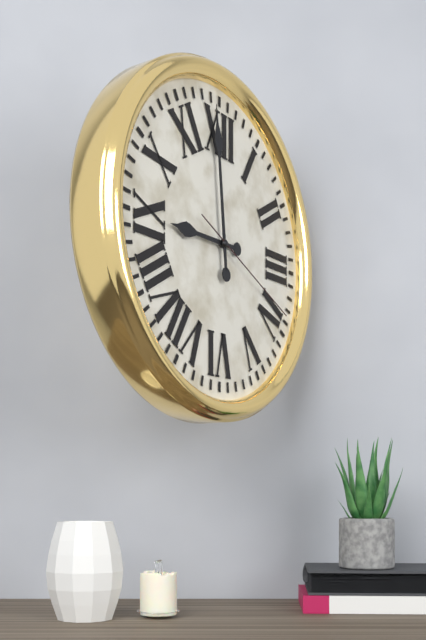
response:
h=8 m=59 s=19
